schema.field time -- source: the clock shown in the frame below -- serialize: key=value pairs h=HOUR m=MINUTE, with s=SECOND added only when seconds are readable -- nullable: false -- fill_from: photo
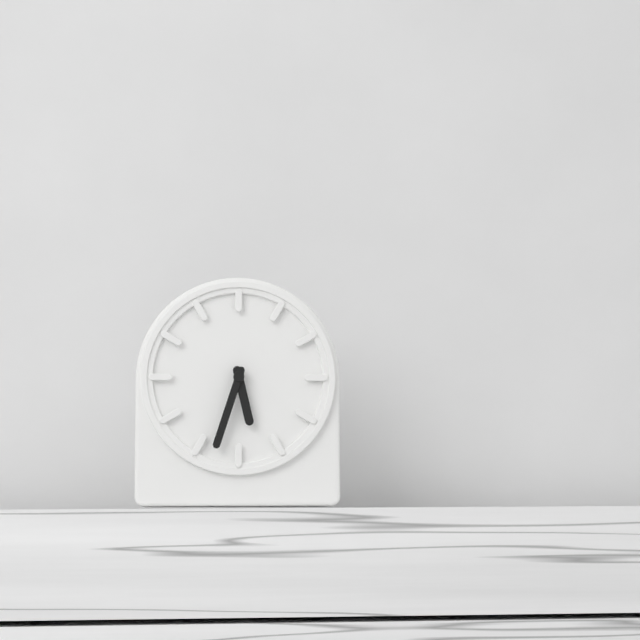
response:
h=5 m=33
